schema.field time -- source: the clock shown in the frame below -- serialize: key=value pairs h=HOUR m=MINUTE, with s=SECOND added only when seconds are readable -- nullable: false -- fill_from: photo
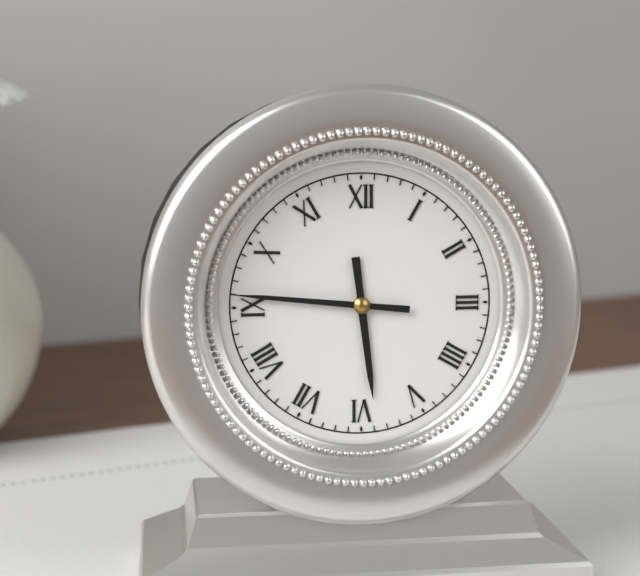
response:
h=5 m=46
